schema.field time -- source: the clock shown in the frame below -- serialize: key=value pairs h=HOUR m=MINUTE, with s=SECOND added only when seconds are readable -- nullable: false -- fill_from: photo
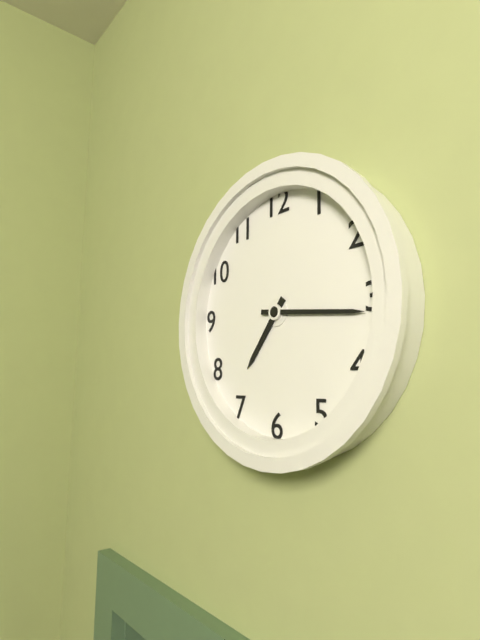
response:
h=7 m=16
